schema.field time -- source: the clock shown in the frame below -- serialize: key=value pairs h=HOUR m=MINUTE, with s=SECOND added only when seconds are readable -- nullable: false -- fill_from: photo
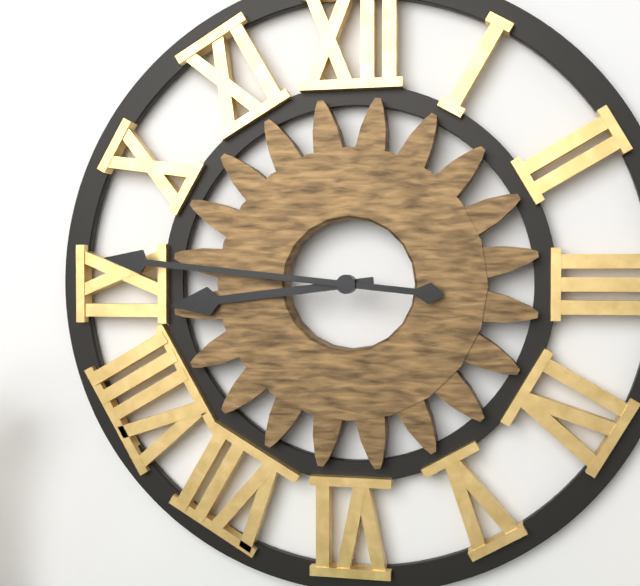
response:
h=8 m=46
